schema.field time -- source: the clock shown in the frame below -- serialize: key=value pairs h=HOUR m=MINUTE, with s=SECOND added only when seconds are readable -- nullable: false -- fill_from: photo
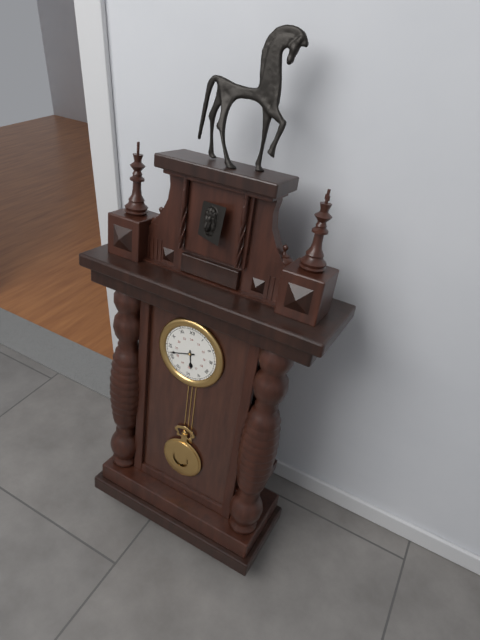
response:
h=5 m=42
